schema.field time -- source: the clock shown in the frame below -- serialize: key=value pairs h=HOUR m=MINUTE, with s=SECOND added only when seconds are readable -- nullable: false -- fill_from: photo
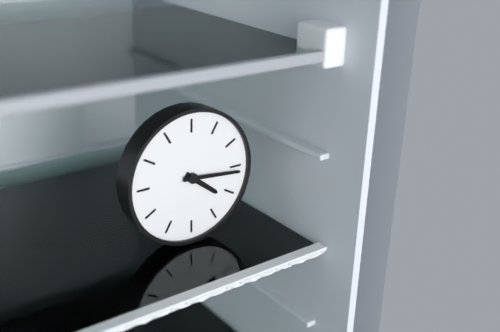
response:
h=4 m=16
